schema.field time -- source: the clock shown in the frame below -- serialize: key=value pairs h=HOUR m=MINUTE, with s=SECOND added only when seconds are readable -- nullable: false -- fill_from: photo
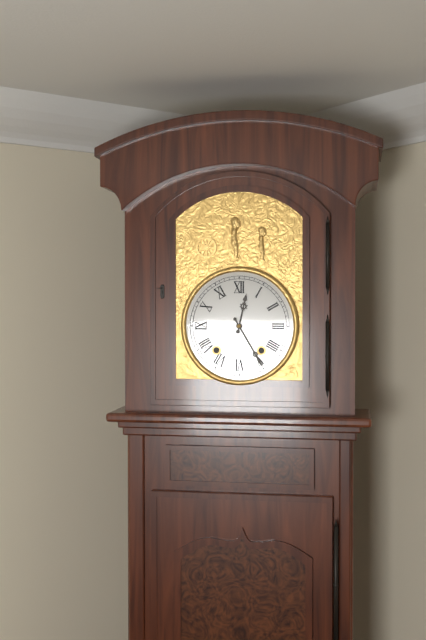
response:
h=12 m=25
